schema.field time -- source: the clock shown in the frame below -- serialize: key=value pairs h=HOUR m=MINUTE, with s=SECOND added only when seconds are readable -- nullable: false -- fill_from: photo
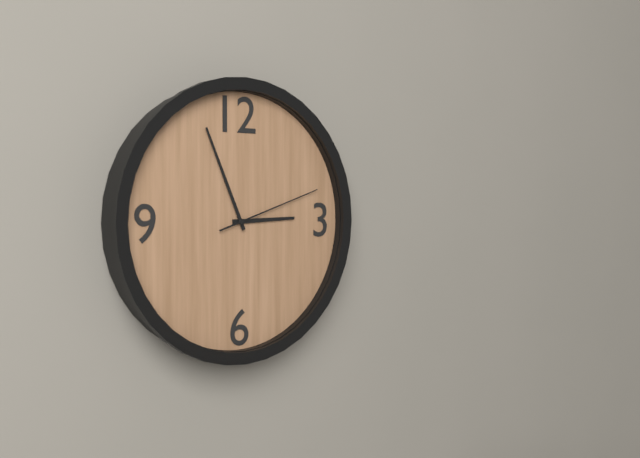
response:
h=2 m=56 s=12
